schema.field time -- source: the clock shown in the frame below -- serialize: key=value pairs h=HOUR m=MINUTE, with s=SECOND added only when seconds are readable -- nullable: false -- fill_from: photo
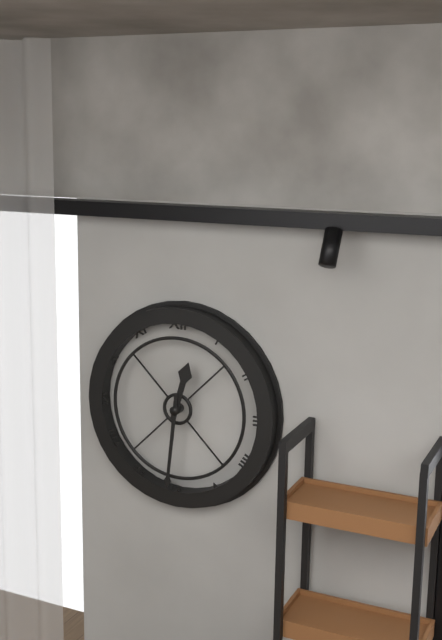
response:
h=12 m=31
